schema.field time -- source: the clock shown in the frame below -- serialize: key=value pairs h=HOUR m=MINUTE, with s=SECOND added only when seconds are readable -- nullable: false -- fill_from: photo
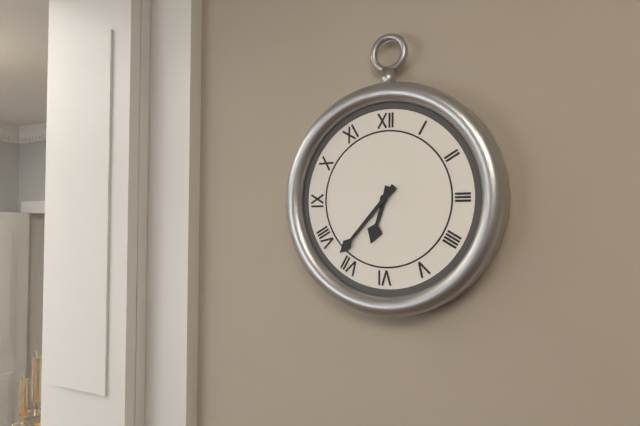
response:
h=6 m=37
